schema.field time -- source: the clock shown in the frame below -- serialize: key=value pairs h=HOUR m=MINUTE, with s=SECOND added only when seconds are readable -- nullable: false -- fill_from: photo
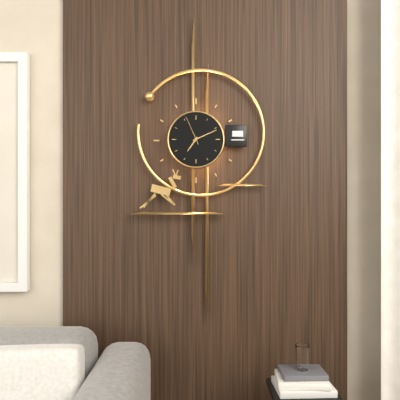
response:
h=7 m=11
